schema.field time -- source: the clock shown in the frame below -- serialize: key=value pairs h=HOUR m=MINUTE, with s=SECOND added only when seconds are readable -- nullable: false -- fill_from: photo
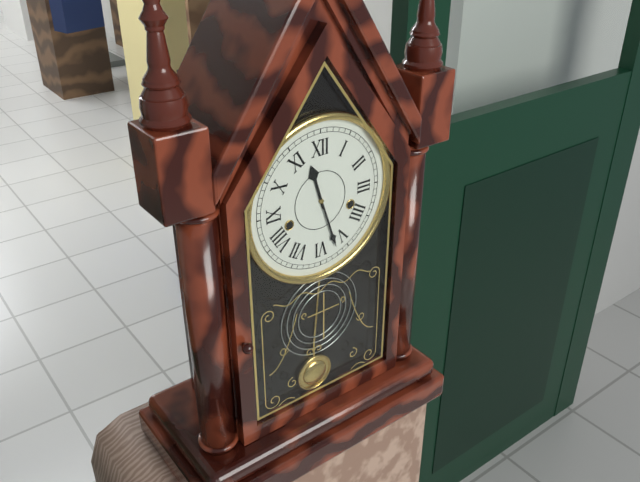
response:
h=11 m=27
